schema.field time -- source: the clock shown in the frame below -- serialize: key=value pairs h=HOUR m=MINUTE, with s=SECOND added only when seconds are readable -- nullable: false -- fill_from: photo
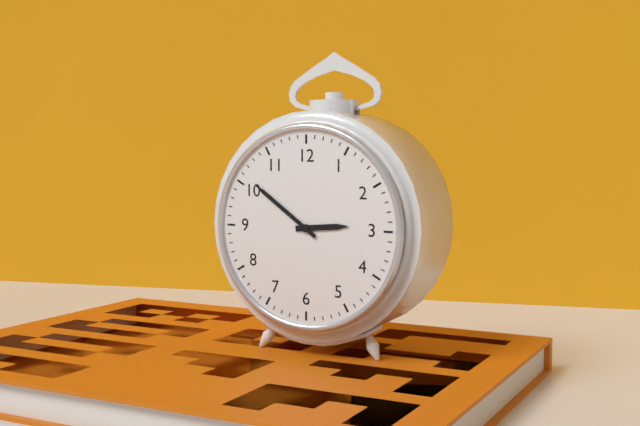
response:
h=2 m=51
